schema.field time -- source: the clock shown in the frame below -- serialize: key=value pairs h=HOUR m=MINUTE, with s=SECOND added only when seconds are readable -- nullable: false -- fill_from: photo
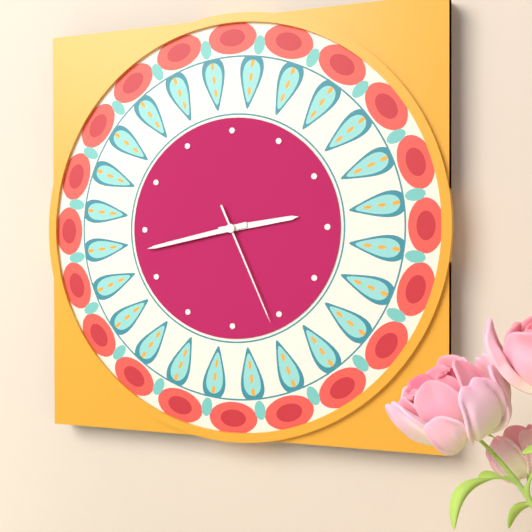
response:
h=2 m=43 s=26
